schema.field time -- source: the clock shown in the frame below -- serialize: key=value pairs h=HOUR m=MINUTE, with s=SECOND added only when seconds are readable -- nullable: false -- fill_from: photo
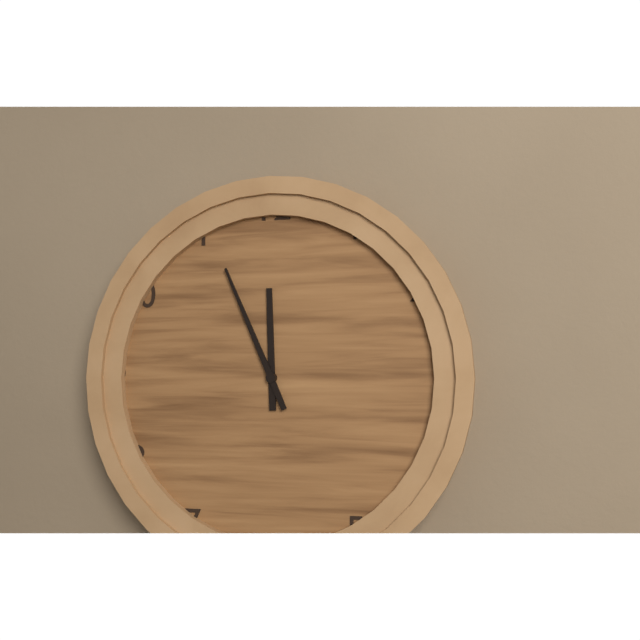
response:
h=11 m=56
